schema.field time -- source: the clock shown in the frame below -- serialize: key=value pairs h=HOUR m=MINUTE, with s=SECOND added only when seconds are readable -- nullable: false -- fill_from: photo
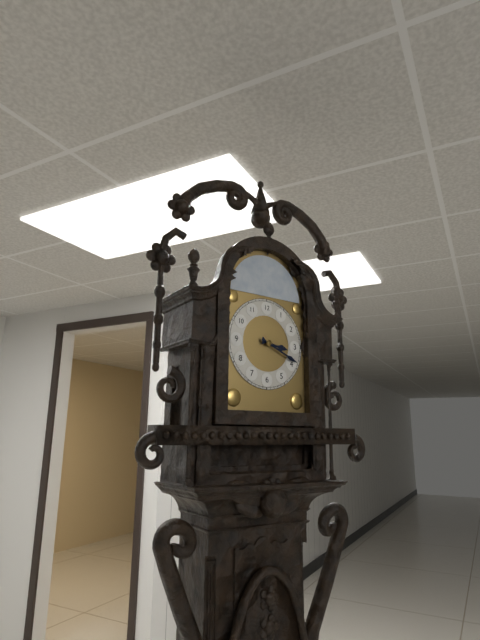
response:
h=3 m=19
